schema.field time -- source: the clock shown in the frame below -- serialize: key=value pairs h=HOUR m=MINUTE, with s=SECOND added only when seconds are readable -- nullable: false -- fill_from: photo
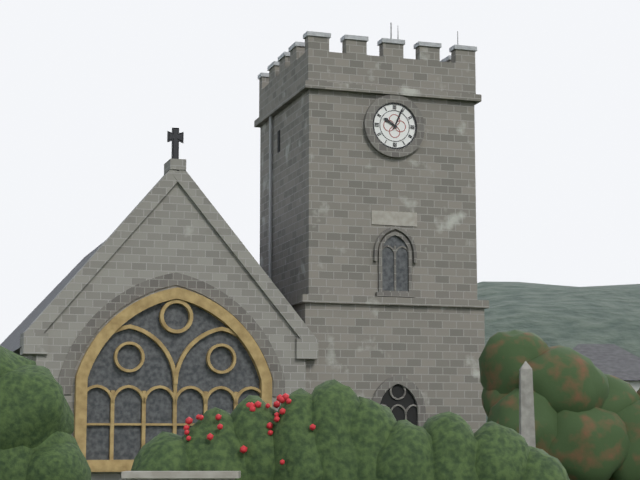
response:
h=10 m=4
